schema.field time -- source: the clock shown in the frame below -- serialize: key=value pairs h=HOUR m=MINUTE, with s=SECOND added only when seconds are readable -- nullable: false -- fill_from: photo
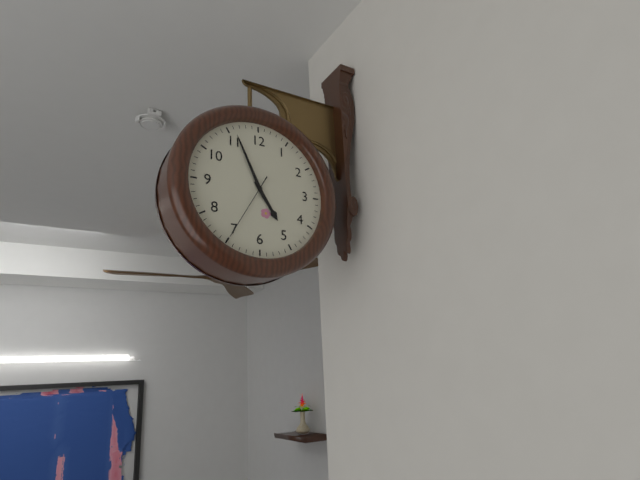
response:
h=4 m=56 s=35
